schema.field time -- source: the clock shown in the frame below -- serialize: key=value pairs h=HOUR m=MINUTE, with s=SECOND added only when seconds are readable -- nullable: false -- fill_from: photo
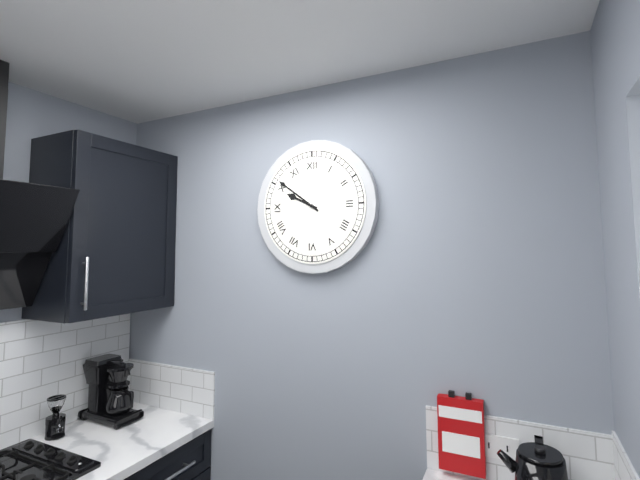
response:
h=9 m=51
